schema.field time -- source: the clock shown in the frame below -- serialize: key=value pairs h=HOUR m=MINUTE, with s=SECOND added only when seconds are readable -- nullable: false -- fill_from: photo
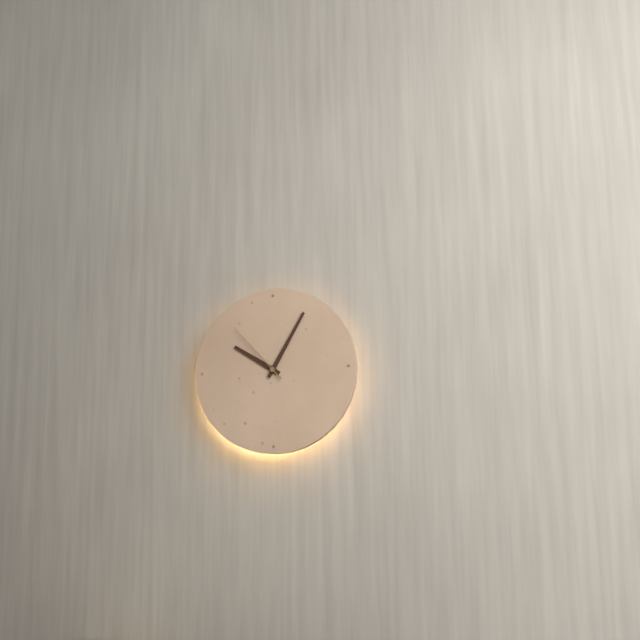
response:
h=10 m=5 s=53
